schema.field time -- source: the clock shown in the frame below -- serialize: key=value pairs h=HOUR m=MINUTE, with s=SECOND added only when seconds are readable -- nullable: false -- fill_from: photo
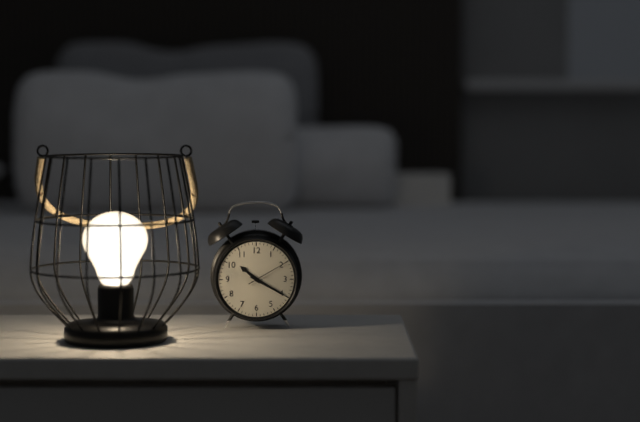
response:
h=10 m=20
